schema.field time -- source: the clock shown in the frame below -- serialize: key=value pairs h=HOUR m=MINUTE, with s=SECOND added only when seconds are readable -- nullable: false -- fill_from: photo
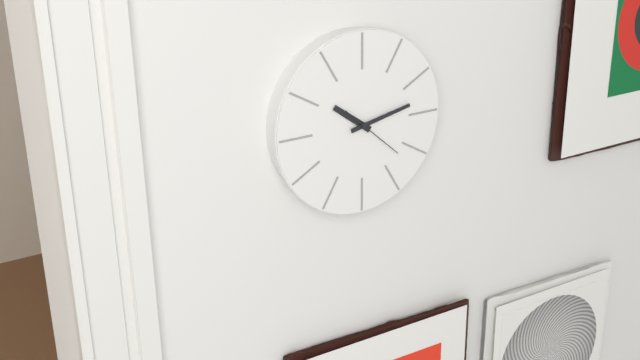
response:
h=10 m=13 s=22
